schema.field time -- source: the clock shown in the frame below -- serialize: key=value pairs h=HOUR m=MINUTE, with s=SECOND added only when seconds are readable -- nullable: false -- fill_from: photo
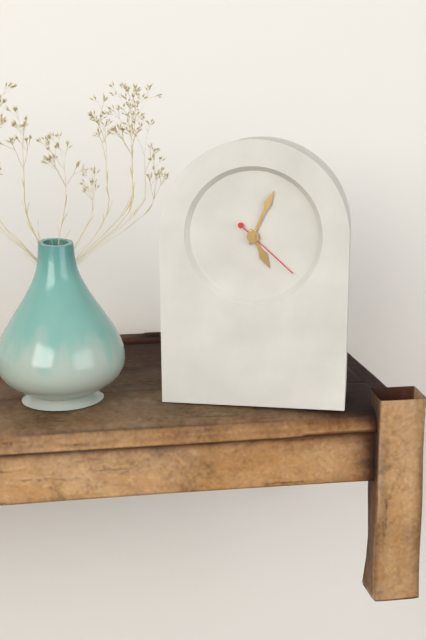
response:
h=5 m=4 s=22
